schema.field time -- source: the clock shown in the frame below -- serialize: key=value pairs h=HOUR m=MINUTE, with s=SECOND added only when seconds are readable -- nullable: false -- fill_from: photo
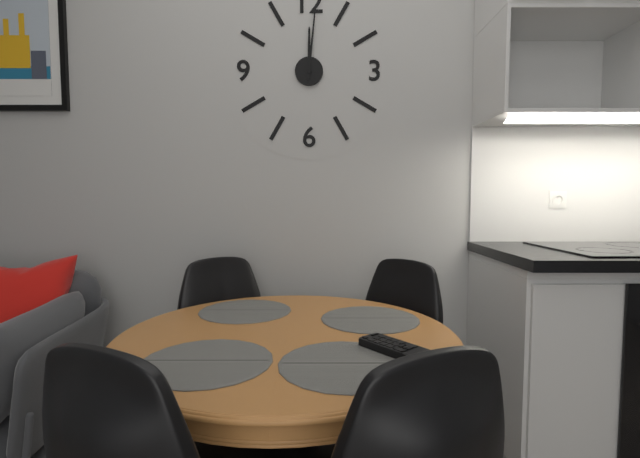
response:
h=12 m=1
